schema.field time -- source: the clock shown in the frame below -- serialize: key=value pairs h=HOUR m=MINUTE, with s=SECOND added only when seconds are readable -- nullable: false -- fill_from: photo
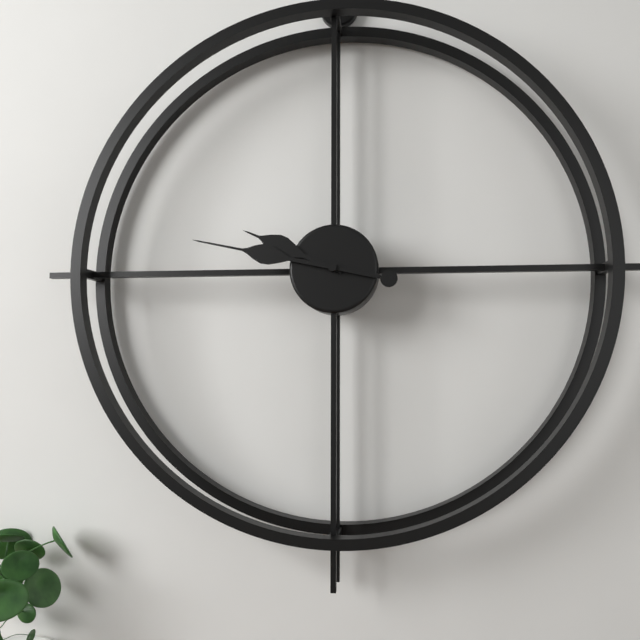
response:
h=9 m=47
